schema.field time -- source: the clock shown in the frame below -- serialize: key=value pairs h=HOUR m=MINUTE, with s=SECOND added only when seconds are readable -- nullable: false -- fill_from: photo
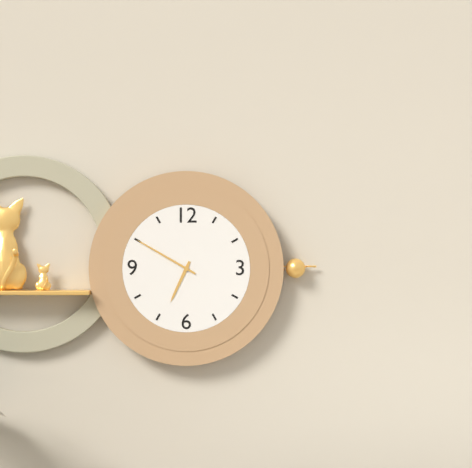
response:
h=6 m=50
